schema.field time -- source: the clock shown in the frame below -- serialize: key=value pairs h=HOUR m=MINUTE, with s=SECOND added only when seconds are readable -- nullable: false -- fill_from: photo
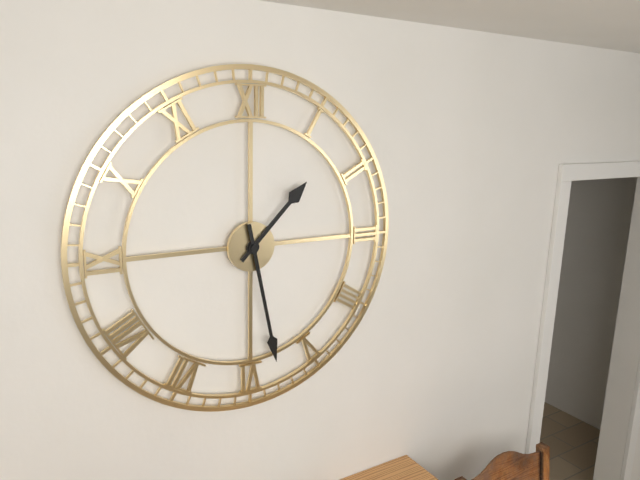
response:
h=1 m=28
